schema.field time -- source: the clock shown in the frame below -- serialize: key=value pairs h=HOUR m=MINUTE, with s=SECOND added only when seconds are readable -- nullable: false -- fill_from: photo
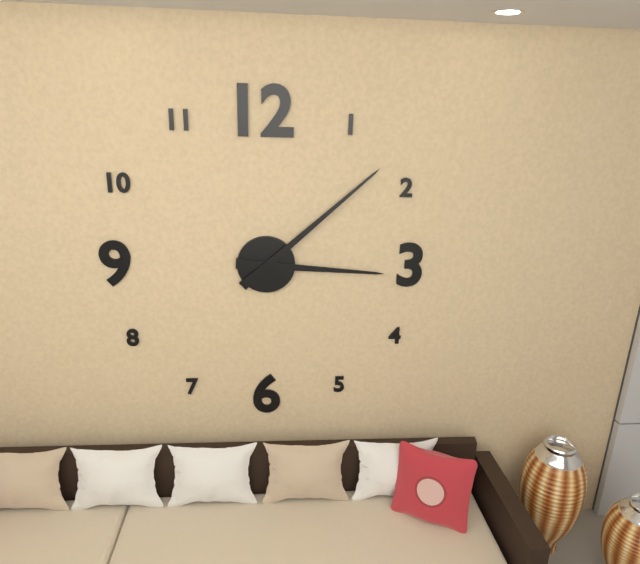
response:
h=3 m=8
